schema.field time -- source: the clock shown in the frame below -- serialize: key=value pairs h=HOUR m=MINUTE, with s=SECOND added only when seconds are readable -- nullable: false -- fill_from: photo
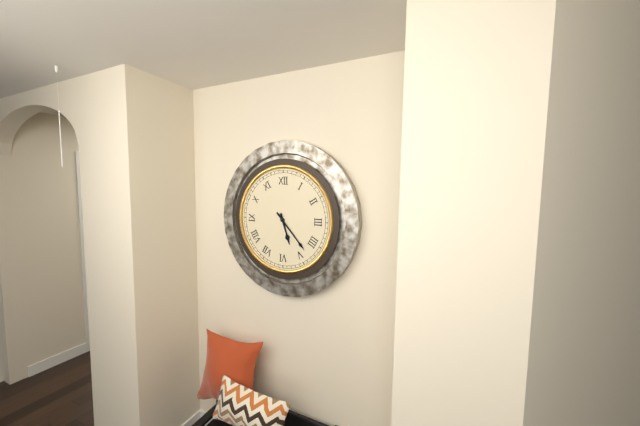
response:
h=5 m=23
